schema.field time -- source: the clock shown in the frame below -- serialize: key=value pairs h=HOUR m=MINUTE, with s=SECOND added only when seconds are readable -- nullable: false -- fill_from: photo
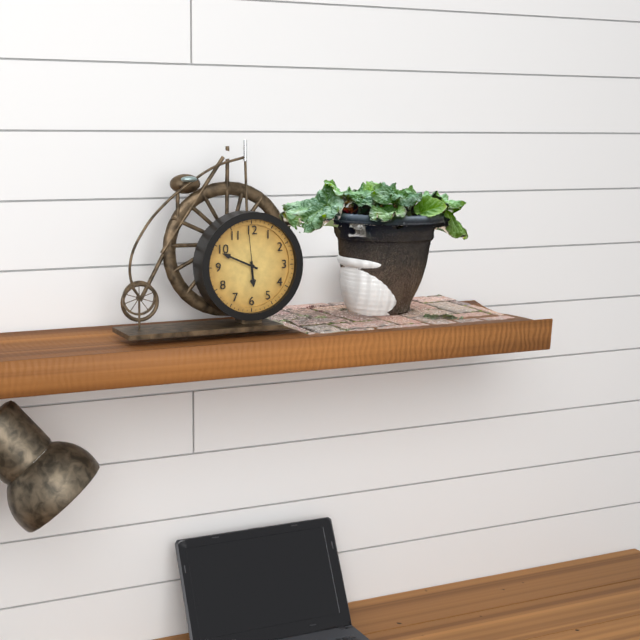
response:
h=5 m=49
